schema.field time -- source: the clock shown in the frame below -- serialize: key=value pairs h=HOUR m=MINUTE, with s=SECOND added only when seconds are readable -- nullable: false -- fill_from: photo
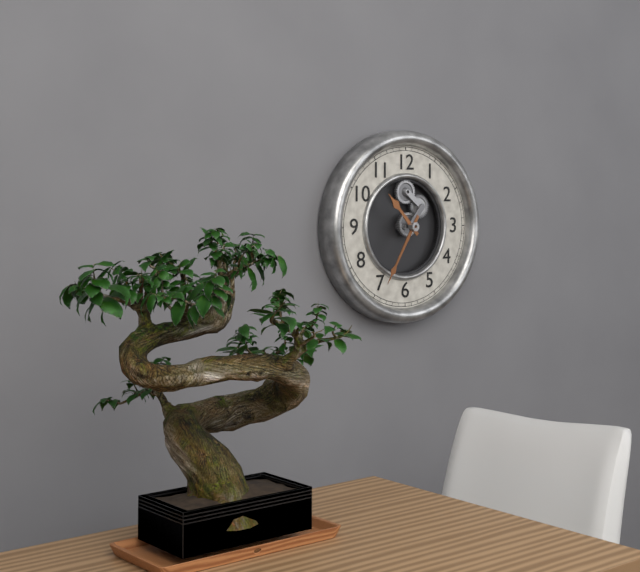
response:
h=10 m=35
